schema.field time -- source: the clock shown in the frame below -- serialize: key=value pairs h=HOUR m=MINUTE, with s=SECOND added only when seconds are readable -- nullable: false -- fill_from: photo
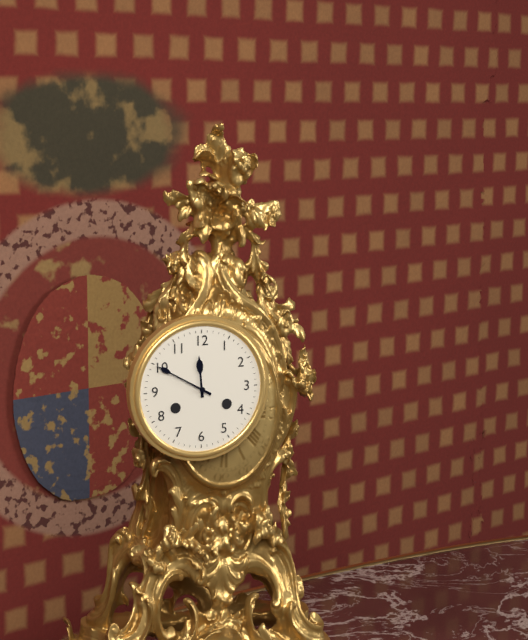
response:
h=11 m=50
